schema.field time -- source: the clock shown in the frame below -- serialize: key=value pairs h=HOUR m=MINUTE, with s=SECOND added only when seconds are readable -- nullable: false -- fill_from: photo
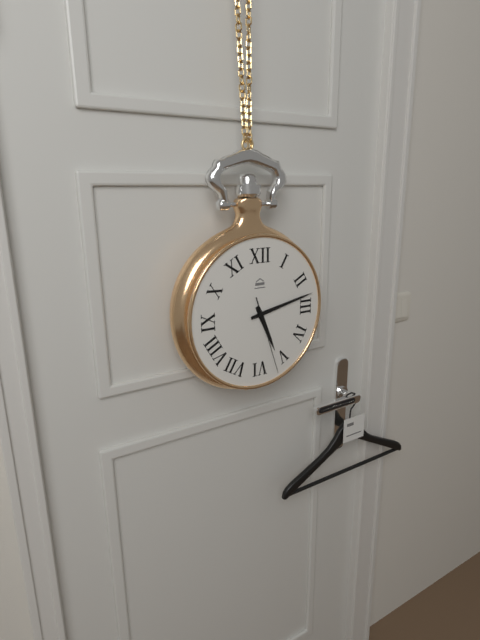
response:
h=5 m=13 s=27
